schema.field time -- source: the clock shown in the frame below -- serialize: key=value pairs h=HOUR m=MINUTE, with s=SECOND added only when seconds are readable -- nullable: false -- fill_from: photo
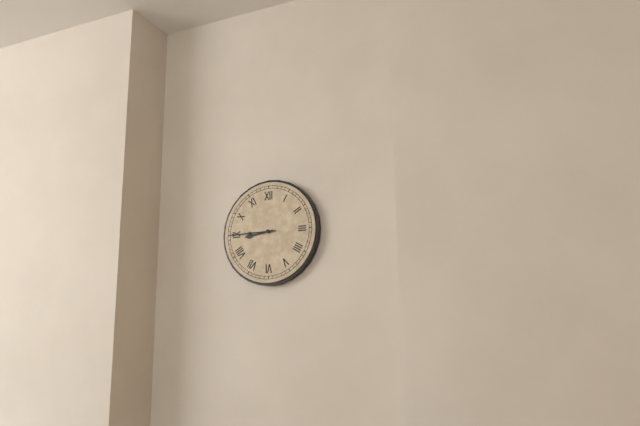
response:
h=8 m=45
